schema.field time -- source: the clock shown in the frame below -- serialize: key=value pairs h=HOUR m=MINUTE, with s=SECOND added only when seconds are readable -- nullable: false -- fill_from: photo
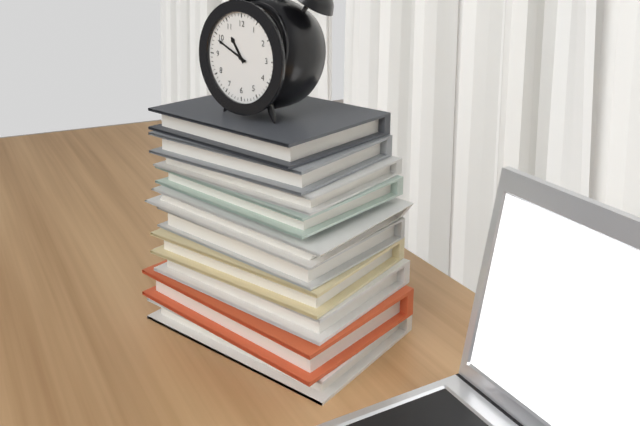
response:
h=10 m=49
